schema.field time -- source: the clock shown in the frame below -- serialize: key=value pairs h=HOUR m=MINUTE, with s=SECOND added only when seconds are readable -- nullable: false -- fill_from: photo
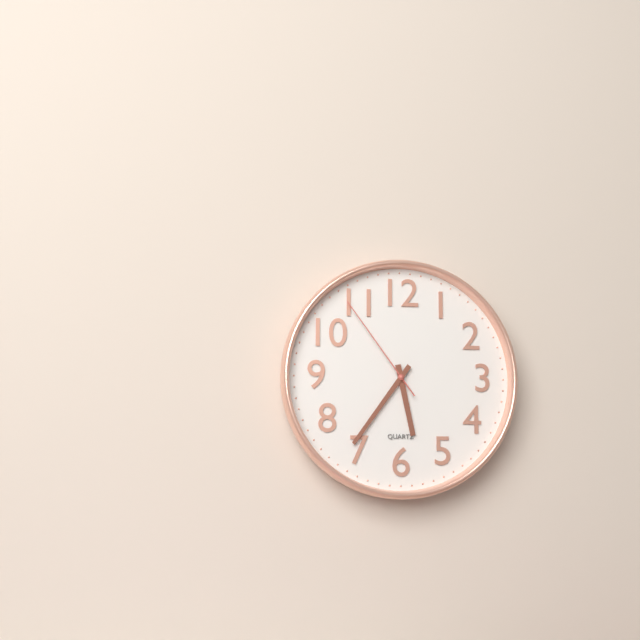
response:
h=5 m=36 s=54
